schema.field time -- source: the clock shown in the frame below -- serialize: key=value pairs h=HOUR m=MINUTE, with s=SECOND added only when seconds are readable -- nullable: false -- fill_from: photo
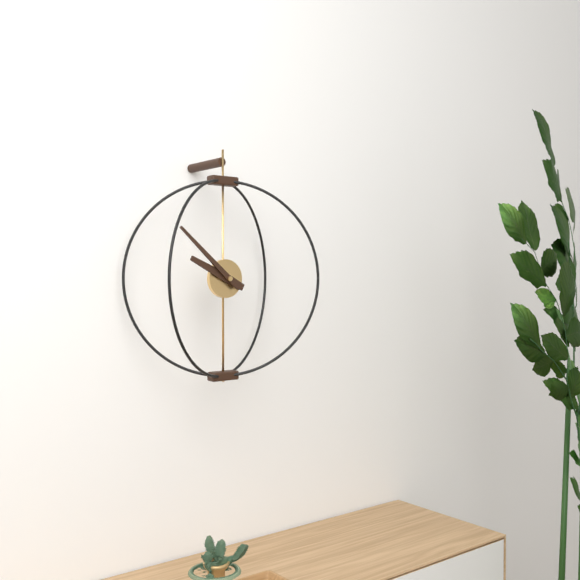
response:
h=9 m=52
